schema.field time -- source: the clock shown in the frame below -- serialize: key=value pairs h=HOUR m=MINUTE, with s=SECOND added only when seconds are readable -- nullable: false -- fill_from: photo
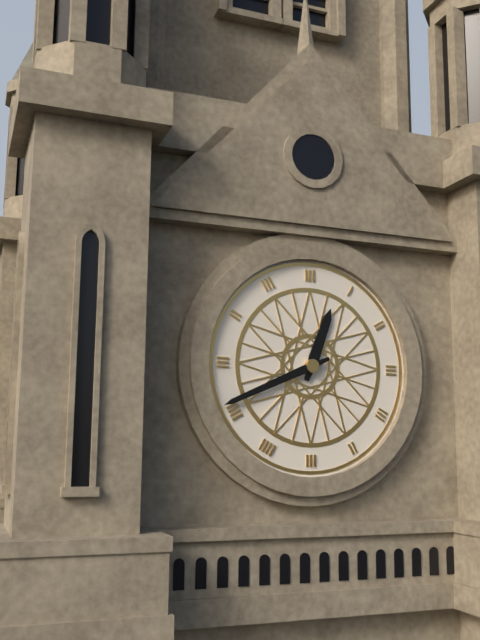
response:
h=12 m=41
